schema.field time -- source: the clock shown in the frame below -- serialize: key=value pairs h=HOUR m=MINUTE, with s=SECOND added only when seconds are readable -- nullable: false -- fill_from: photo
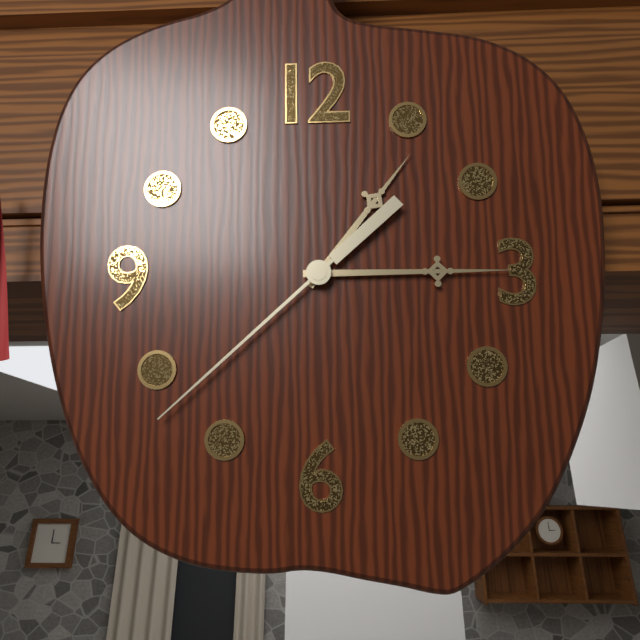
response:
h=1 m=15 s=38
